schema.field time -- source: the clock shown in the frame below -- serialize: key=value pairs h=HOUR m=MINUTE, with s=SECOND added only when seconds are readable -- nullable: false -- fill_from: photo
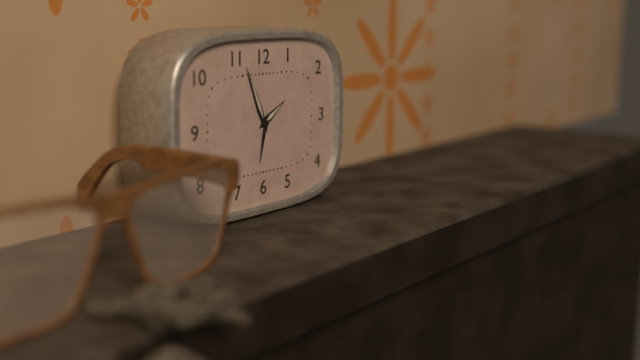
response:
h=1 m=56 s=32
